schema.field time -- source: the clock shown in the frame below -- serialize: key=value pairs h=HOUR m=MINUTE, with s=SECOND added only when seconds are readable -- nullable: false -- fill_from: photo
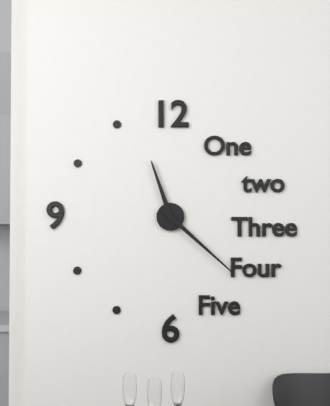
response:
h=11 m=22
